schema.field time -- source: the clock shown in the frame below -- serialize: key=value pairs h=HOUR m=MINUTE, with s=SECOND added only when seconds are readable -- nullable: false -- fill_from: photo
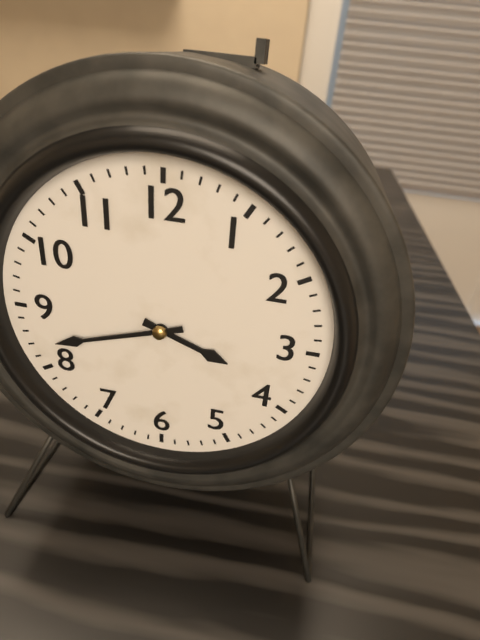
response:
h=3 m=42
